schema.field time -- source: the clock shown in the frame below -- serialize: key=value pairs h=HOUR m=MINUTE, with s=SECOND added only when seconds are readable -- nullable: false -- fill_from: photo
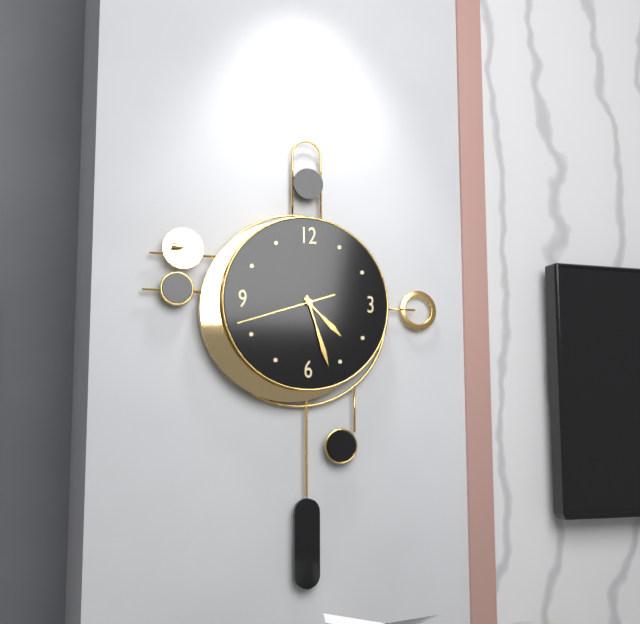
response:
h=4 m=27 s=42
